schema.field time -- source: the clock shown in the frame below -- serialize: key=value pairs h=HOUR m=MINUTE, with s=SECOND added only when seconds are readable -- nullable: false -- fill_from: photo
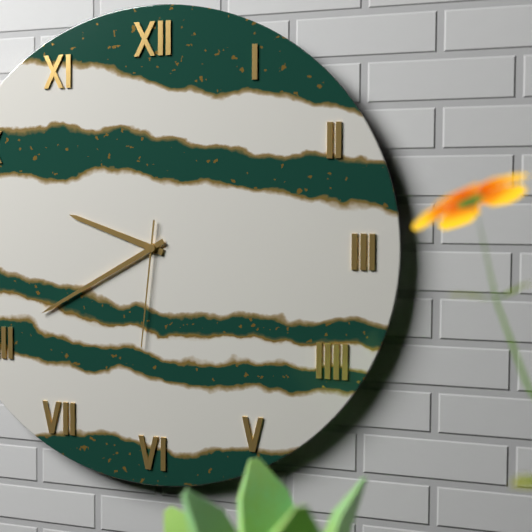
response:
h=9 m=40 s=31
